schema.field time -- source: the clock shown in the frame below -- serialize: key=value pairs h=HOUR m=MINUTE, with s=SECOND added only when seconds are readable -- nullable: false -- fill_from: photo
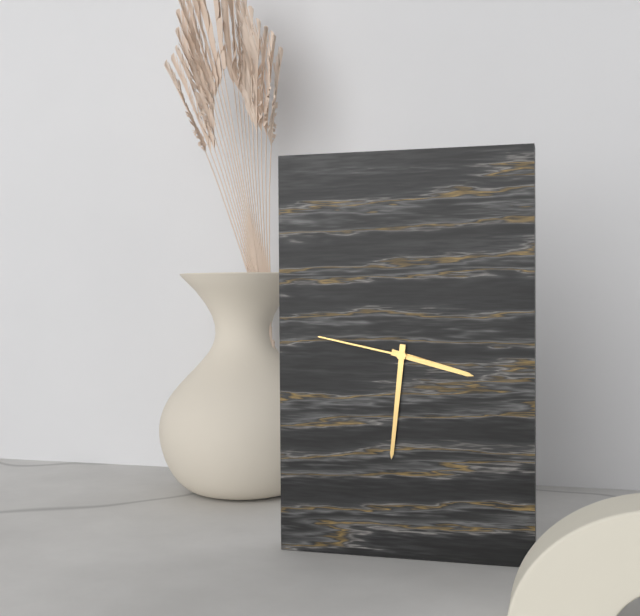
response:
h=3 m=31 s=47
